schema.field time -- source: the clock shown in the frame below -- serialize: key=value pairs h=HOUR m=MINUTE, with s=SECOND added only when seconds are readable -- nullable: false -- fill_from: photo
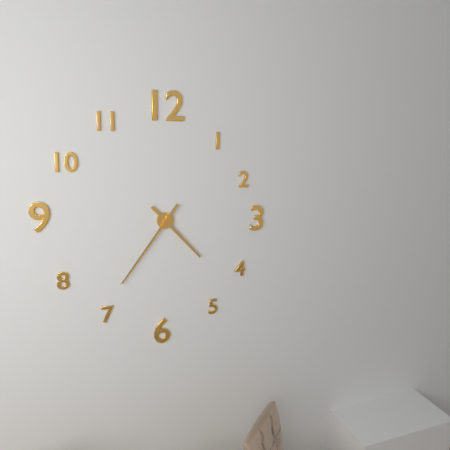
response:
h=4 m=36
